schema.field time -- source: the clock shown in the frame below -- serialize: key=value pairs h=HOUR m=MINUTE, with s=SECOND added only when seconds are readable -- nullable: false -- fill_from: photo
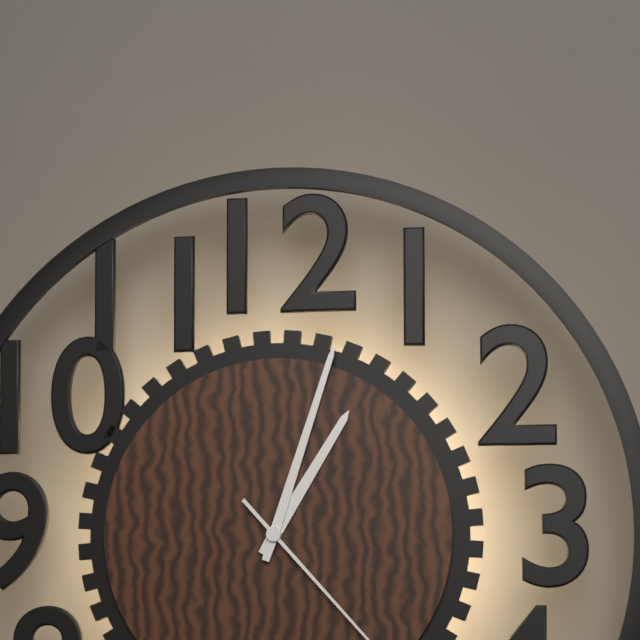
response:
h=1 m=3
